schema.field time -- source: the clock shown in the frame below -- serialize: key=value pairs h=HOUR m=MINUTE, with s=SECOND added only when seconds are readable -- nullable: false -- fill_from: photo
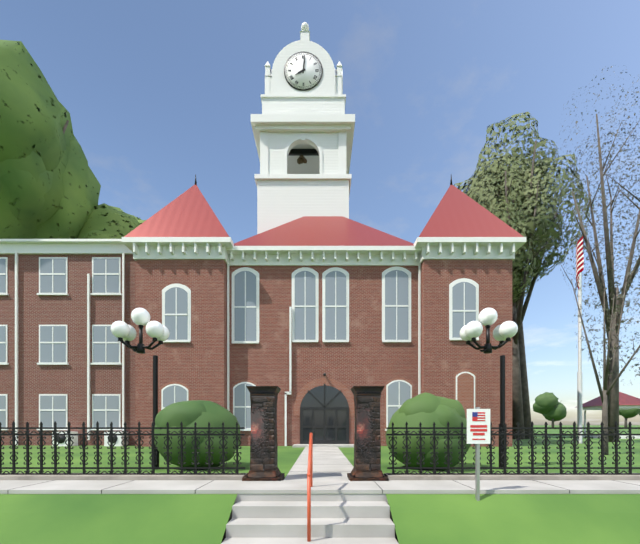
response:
h=8 m=1
